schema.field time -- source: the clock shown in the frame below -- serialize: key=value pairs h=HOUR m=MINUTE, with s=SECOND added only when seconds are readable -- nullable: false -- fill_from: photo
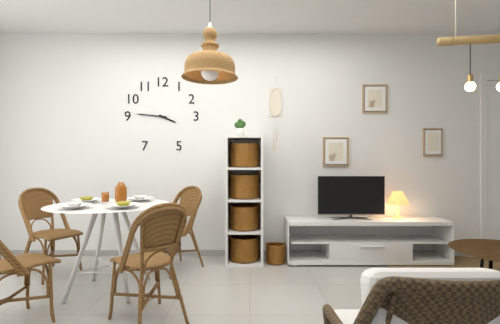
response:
h=3 m=46
